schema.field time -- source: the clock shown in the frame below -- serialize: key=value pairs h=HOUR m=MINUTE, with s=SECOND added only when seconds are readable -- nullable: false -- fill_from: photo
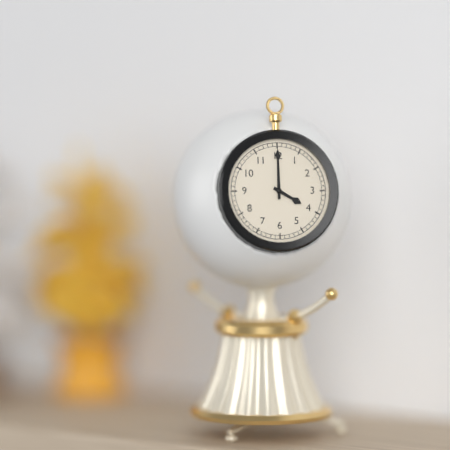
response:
h=4 m=0
